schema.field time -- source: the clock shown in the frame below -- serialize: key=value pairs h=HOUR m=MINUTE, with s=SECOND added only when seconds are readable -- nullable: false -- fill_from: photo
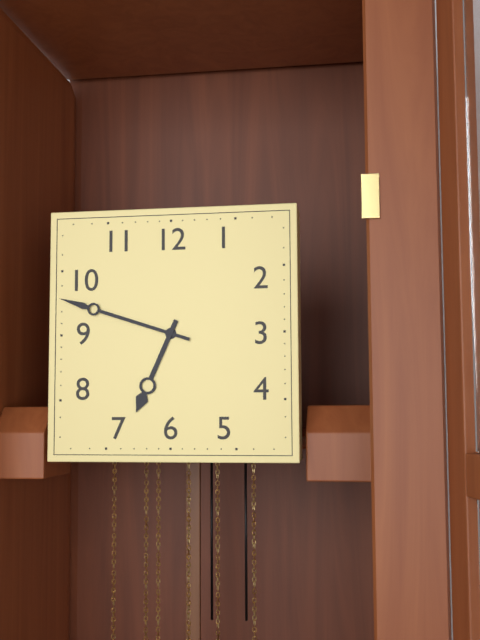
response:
h=6 m=48
